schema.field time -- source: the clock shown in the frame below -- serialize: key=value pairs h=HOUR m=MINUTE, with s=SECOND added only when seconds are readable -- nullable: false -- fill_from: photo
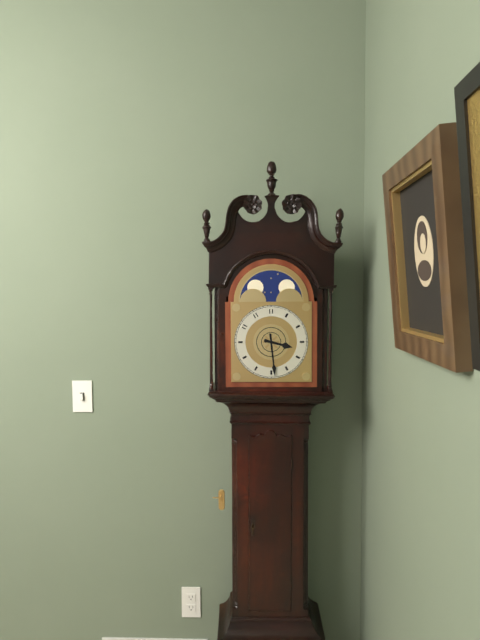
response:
h=3 m=29
